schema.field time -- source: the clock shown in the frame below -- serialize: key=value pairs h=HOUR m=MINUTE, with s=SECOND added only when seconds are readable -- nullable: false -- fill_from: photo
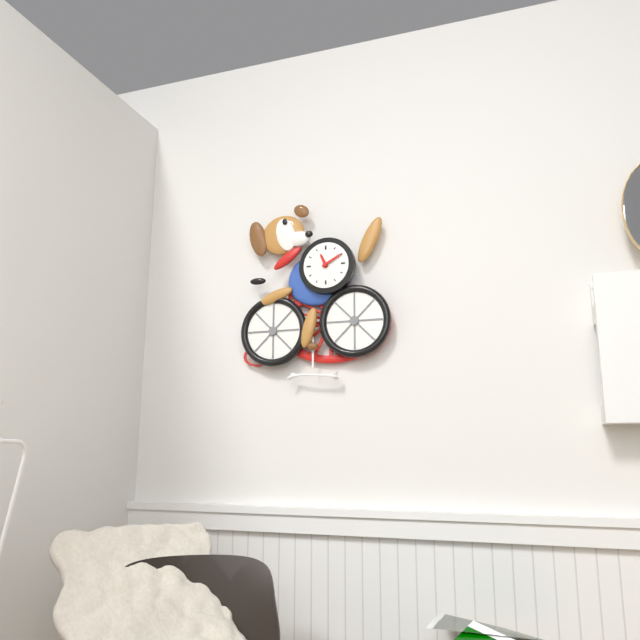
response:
h=11 m=10
